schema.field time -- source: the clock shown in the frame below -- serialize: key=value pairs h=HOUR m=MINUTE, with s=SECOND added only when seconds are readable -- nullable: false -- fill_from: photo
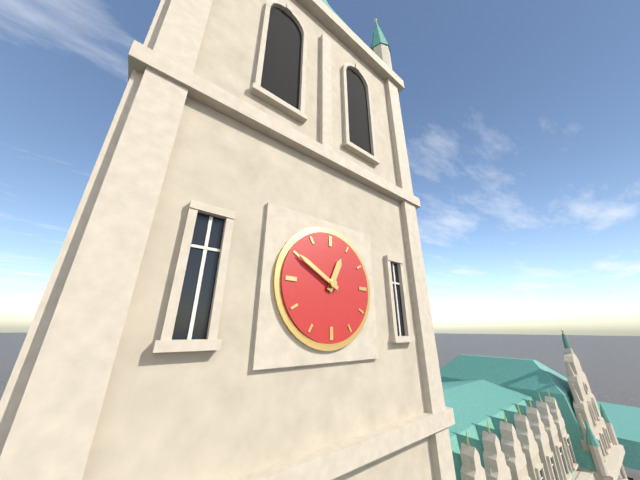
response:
h=12 m=50
